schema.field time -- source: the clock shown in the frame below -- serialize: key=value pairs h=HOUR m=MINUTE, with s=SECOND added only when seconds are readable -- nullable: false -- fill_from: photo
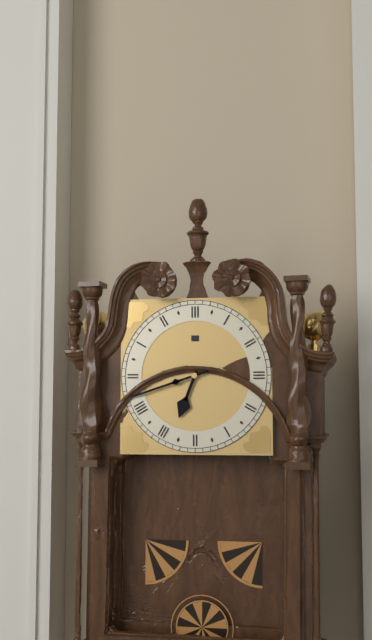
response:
h=6 m=42
